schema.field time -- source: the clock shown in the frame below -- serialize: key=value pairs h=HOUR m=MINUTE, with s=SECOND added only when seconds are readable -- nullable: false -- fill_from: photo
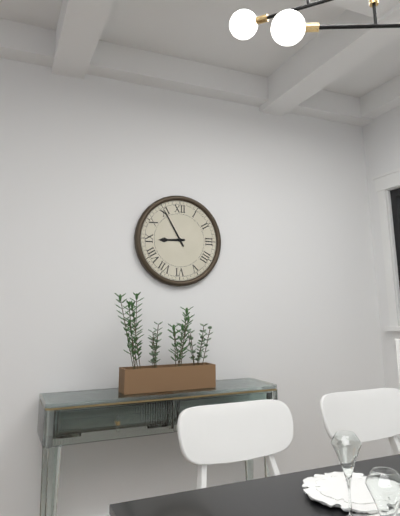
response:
h=8 m=55
